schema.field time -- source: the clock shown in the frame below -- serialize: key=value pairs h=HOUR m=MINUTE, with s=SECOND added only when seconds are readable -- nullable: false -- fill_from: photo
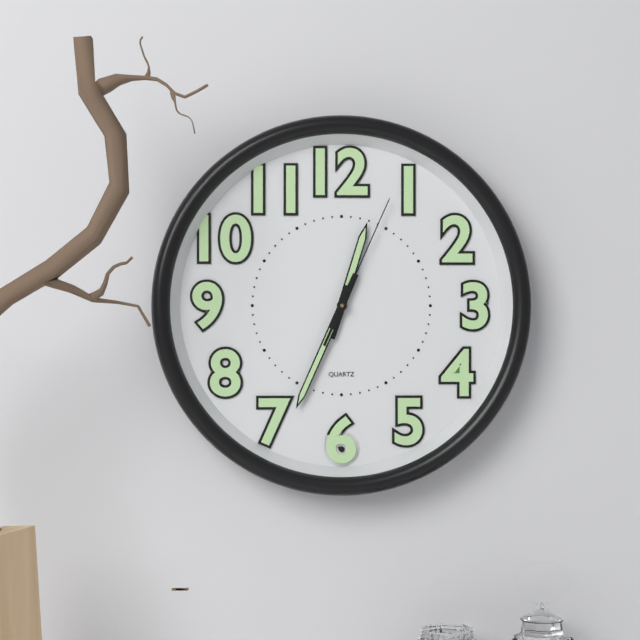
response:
h=12 m=34 s=4
